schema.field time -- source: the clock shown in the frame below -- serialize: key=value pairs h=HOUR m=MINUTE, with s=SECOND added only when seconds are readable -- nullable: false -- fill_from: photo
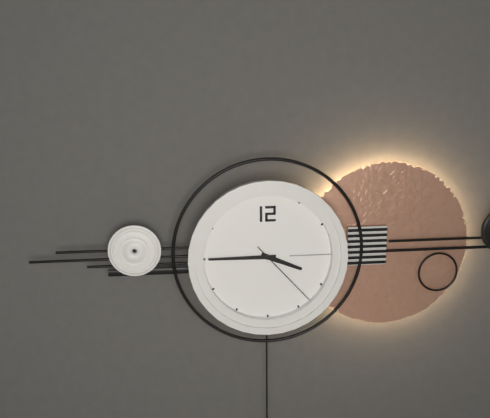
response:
h=3 m=45 s=23
